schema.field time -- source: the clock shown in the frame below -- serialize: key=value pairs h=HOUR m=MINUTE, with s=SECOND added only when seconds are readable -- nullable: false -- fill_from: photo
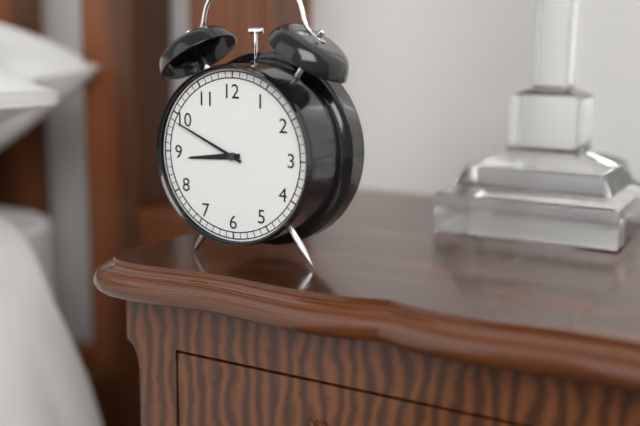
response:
h=8 m=49
